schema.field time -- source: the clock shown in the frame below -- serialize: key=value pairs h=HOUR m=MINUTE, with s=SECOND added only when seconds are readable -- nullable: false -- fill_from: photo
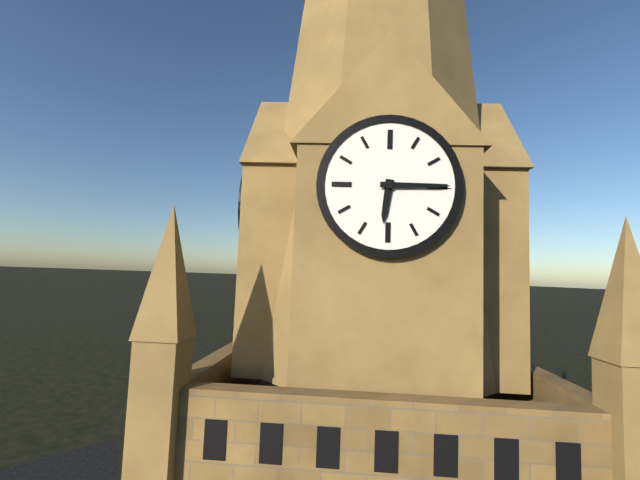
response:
h=6 m=15
